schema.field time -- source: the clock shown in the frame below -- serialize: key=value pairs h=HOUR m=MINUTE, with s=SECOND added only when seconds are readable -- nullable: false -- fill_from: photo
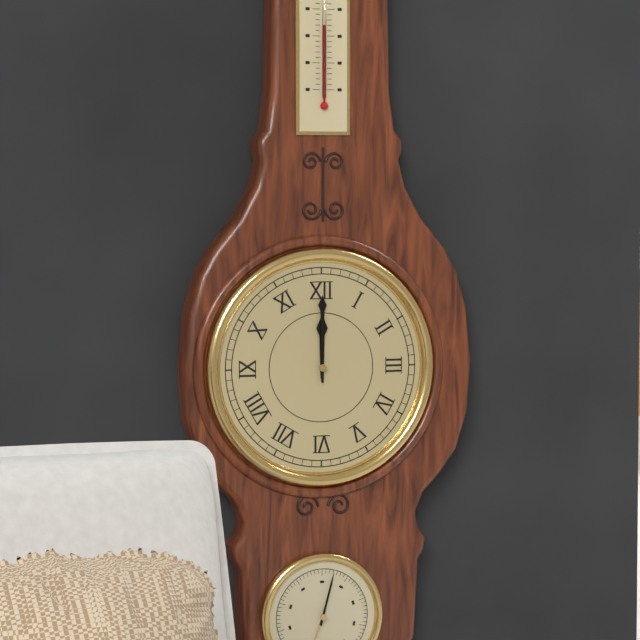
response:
h=12 m=0
